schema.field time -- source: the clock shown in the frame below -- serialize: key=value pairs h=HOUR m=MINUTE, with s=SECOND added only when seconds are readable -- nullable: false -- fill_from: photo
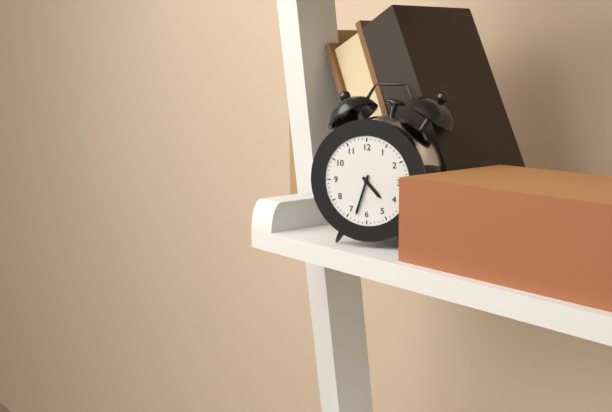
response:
h=4 m=33
